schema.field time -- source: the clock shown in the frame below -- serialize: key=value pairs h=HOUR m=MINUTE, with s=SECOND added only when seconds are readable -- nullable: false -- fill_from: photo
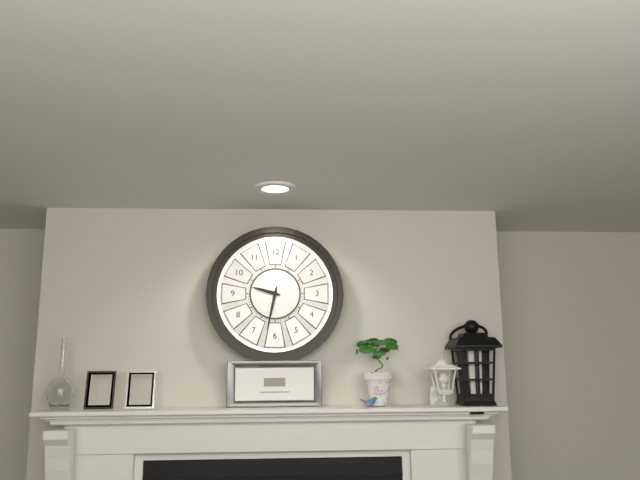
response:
h=9 m=32
